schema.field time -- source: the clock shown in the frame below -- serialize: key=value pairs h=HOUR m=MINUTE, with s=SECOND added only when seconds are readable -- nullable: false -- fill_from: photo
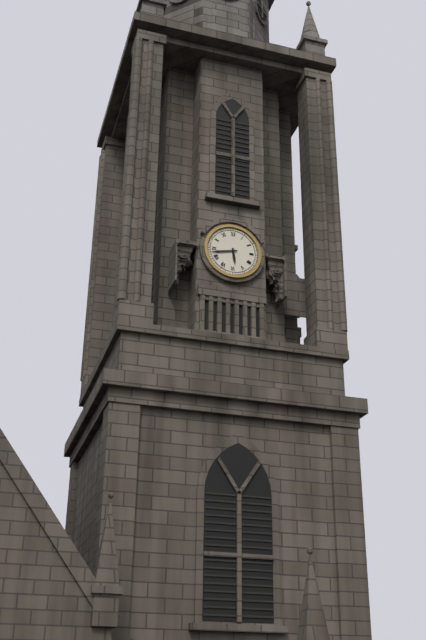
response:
h=5 m=43
